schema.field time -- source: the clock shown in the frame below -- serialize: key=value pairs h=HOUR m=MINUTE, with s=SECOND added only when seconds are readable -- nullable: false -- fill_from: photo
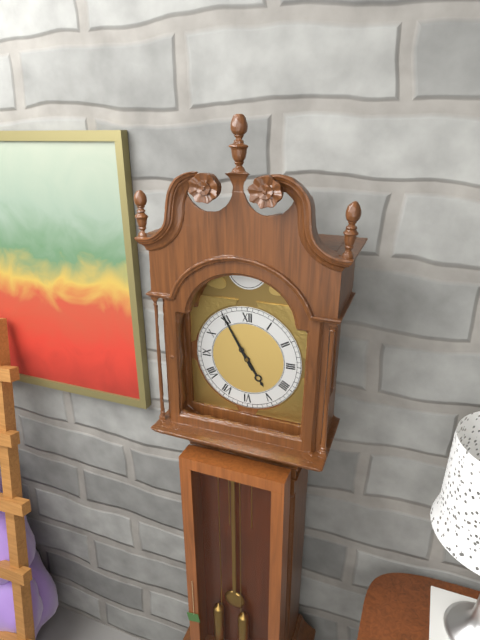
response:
h=4 m=55
